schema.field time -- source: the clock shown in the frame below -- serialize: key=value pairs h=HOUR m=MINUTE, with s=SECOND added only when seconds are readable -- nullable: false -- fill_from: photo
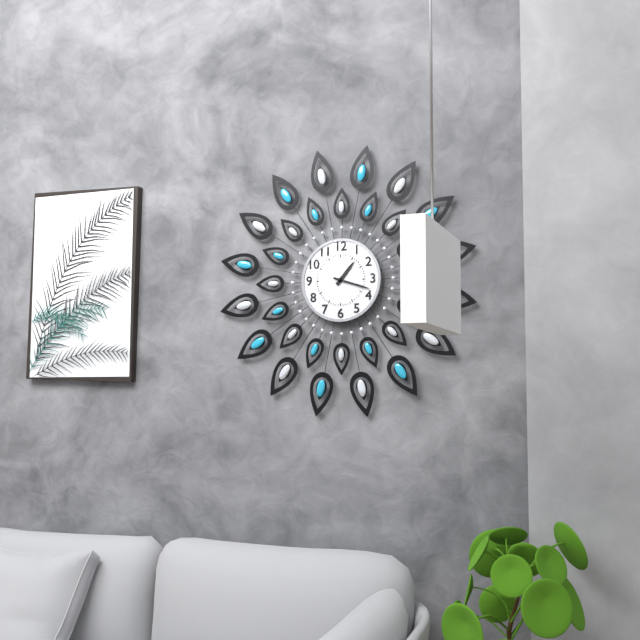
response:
h=1 m=18
